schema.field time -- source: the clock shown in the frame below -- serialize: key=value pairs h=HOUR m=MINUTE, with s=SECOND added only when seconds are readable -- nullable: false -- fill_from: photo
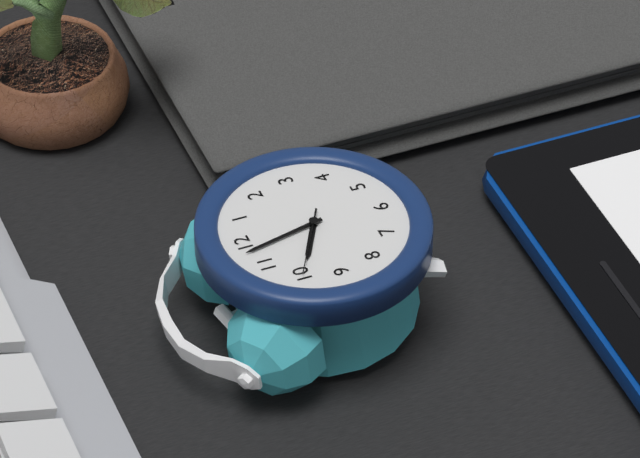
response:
h=9 m=58 s=50
